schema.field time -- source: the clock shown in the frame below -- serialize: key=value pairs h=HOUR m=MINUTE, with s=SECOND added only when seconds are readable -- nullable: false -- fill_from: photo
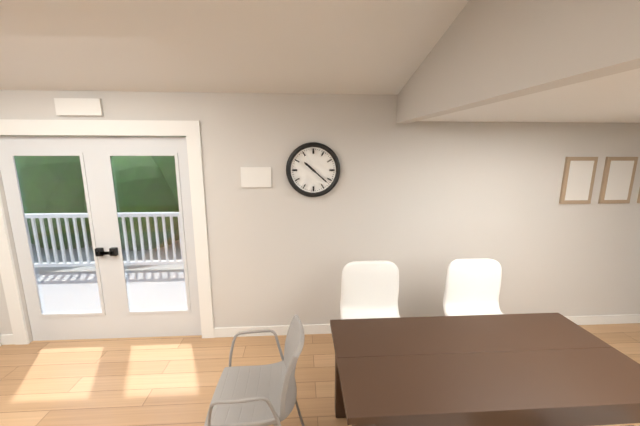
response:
h=10 m=22
